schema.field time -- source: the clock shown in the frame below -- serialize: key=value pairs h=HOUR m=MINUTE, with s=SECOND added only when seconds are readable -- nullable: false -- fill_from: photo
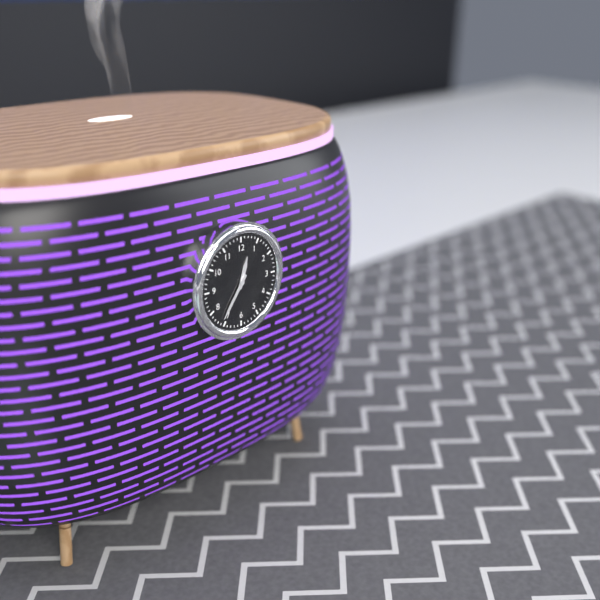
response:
h=12 m=36
